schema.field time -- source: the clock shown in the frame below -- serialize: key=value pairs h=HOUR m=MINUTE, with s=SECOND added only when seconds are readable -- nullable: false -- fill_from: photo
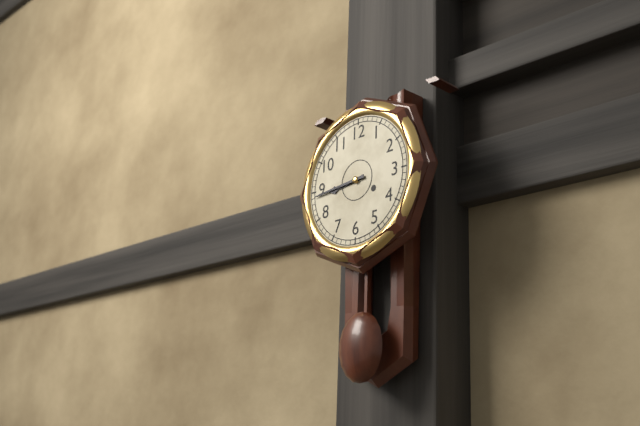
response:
h=8 m=44
